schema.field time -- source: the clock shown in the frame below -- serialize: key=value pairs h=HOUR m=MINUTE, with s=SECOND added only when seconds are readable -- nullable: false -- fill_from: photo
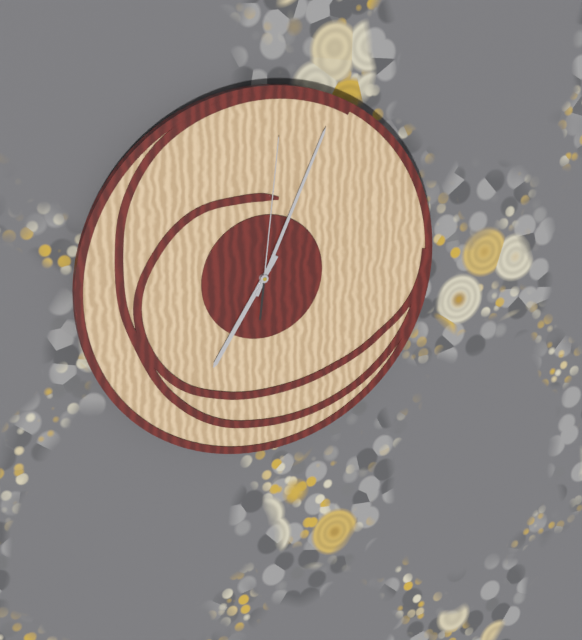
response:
h=7 m=4 s=1
